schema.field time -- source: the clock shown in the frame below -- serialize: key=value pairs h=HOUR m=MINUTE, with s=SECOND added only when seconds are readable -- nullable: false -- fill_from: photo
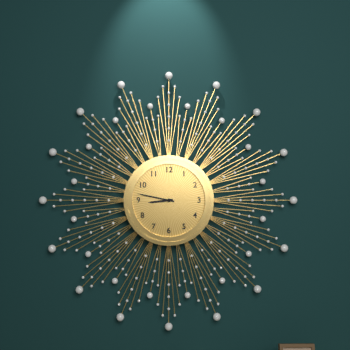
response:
h=8 m=47
